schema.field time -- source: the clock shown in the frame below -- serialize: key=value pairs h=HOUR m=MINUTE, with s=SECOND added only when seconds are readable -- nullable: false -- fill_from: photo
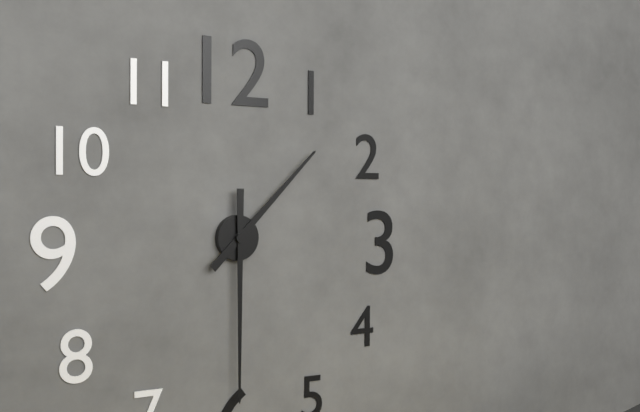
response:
h=1 m=30
